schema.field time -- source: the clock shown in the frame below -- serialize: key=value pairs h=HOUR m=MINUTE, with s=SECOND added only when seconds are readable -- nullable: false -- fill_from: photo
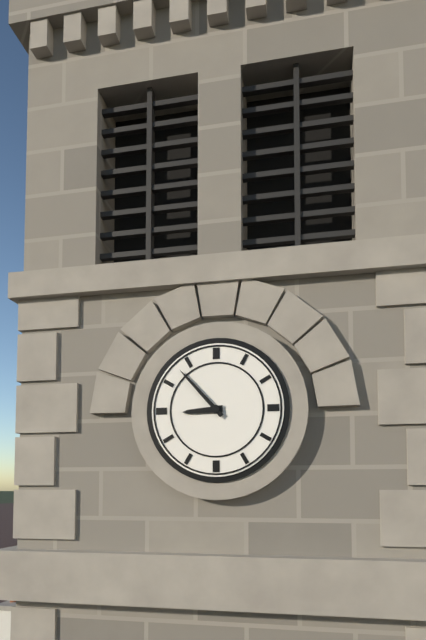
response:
h=8 m=53
